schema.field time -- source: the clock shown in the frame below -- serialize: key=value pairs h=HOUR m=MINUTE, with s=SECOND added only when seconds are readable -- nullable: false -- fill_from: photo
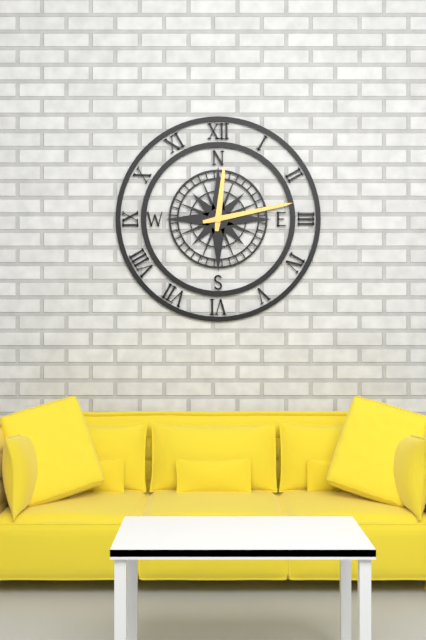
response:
h=12 m=13
